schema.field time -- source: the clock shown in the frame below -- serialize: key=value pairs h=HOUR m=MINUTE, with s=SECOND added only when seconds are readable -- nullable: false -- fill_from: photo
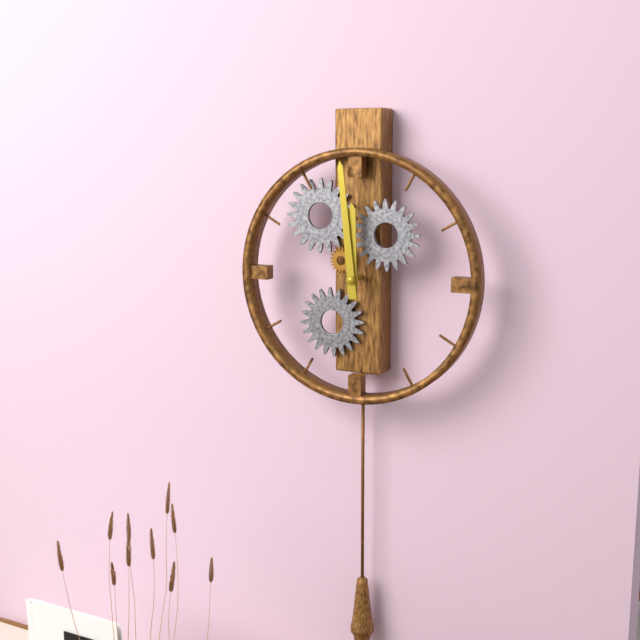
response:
h=11 m=59
